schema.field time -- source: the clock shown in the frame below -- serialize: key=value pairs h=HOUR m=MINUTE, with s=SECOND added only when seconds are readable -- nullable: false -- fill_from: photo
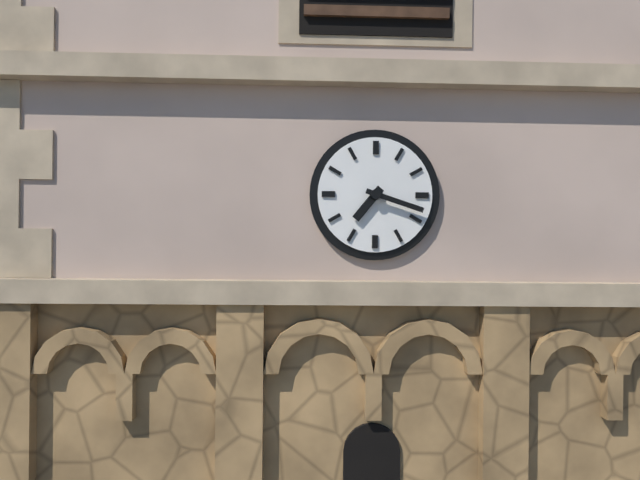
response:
h=7 m=18
